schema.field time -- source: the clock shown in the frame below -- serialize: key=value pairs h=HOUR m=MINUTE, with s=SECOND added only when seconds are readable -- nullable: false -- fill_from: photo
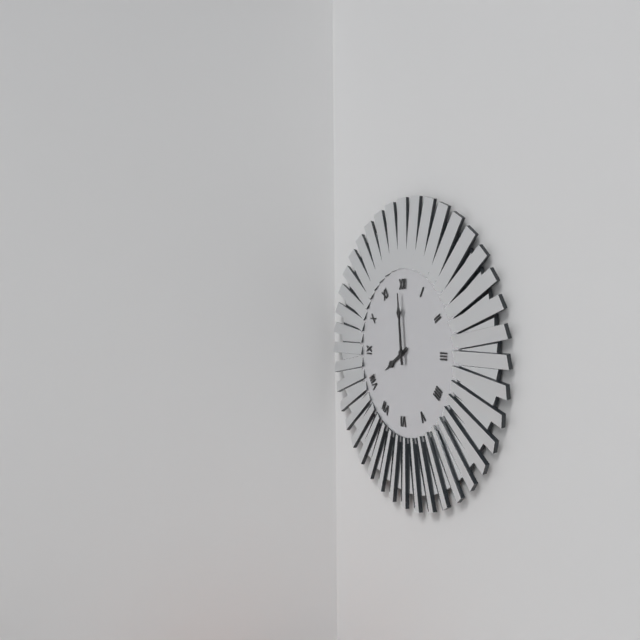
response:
h=7 m=59
